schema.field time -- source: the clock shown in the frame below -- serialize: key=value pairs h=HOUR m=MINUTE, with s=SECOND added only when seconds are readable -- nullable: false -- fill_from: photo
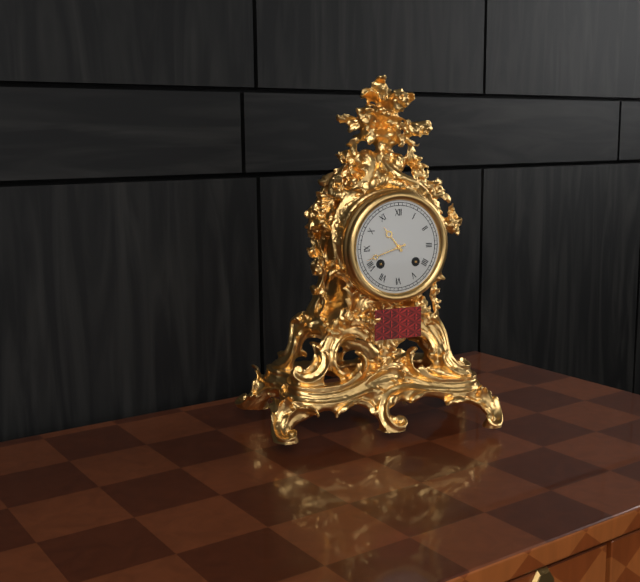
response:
h=10 m=42
